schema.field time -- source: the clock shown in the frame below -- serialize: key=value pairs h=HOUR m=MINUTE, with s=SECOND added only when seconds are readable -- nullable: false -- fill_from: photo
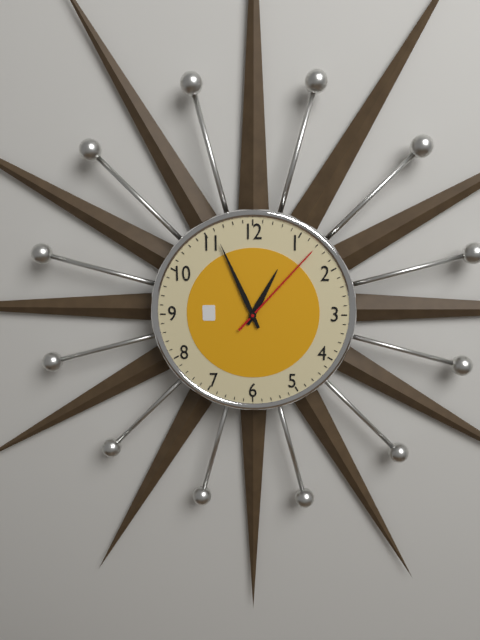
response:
h=12 m=56 s=7
